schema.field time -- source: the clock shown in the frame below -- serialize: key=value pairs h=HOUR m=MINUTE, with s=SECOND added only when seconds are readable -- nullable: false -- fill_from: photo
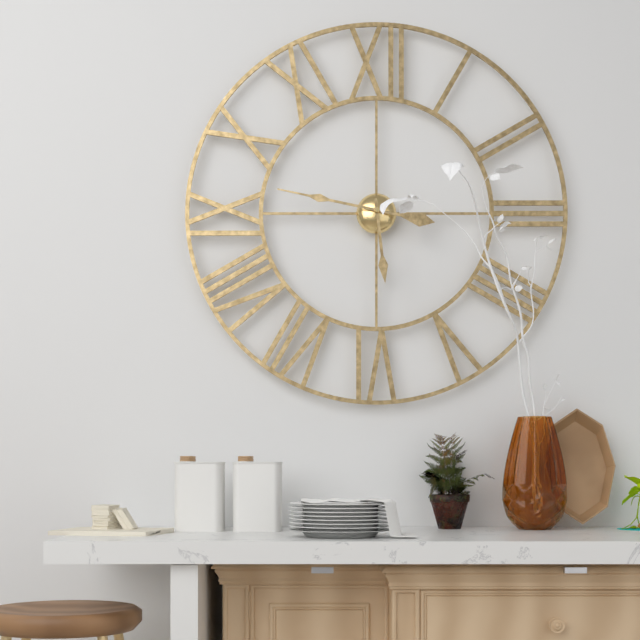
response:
h=5 m=47
